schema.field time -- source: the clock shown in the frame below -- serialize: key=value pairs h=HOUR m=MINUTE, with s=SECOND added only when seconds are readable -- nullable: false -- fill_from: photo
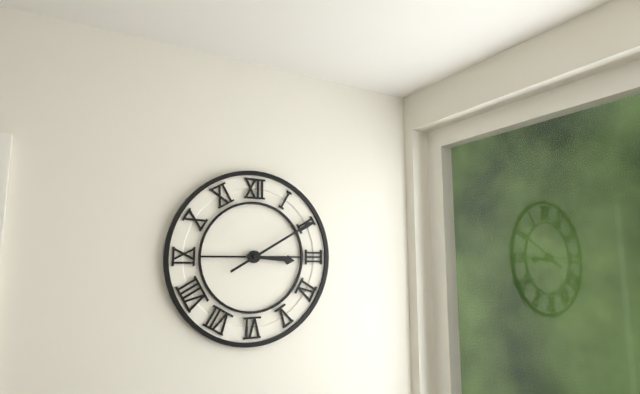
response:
h=3 m=10
